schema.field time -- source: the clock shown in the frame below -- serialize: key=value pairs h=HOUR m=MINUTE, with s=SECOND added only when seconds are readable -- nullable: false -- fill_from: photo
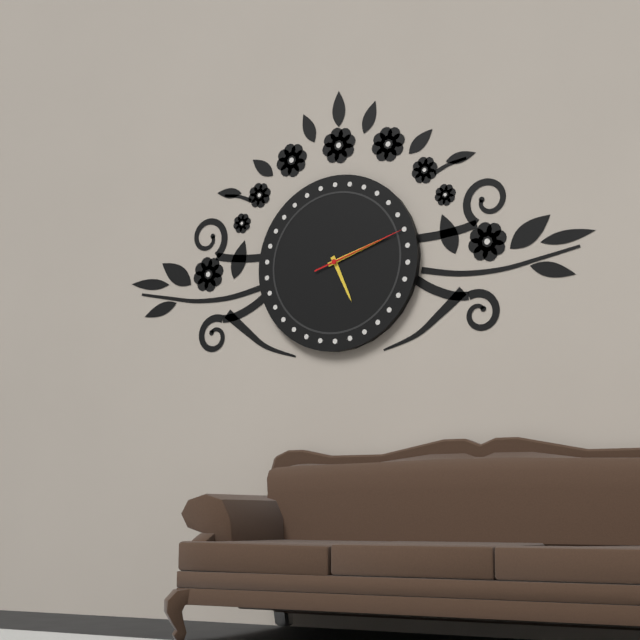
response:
h=5 m=12 s=12
